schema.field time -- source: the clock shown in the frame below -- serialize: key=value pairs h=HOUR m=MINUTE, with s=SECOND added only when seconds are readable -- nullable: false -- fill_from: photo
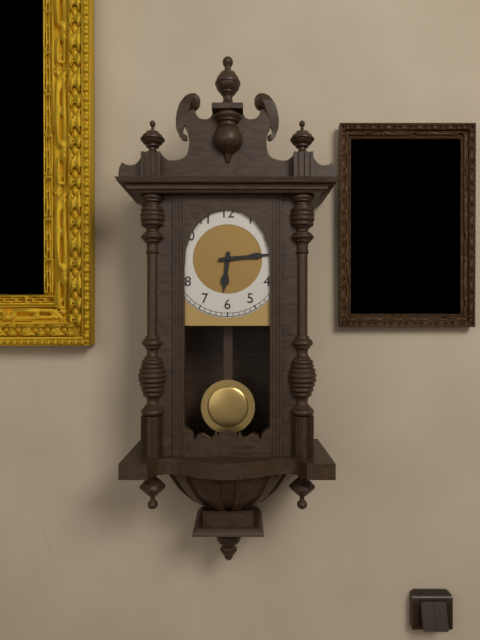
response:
h=6 m=14
